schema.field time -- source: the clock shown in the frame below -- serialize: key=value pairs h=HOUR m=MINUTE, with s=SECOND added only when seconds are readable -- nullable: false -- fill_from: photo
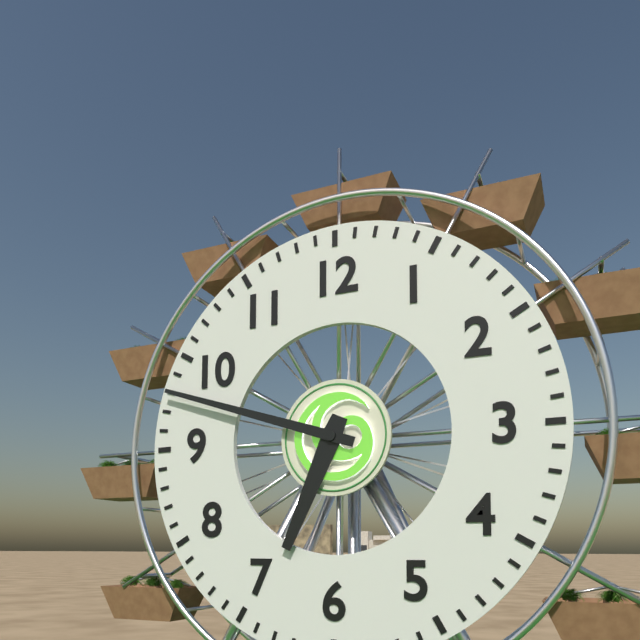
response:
h=6 m=48
